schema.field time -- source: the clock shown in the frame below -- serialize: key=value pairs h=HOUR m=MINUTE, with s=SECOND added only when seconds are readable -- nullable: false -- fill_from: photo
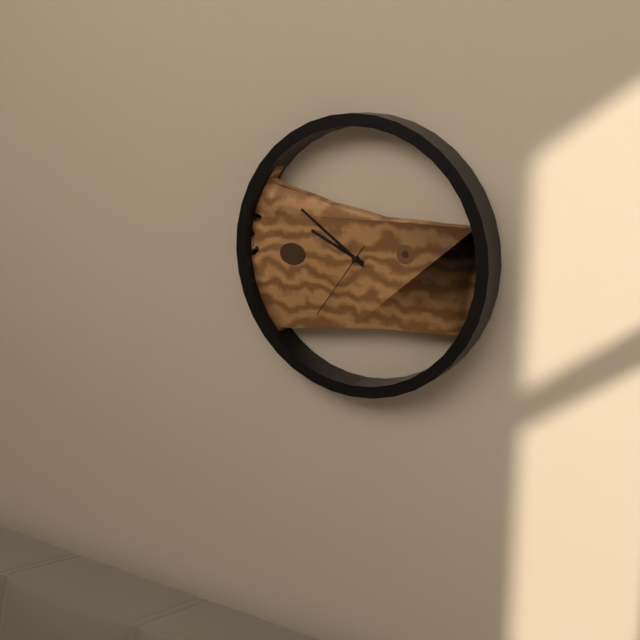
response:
h=9 m=51 s=36
